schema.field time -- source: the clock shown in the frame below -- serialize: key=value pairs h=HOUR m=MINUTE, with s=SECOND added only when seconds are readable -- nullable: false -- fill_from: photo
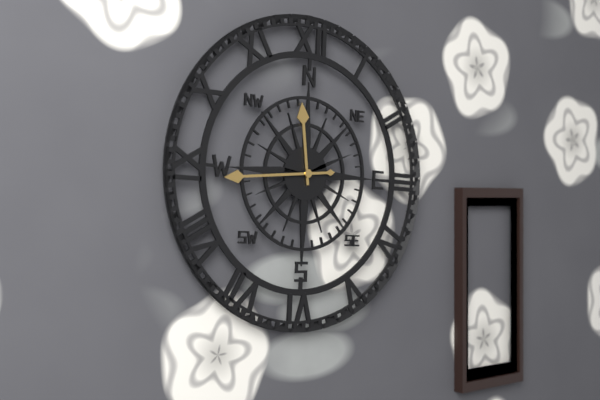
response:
h=11 m=44
